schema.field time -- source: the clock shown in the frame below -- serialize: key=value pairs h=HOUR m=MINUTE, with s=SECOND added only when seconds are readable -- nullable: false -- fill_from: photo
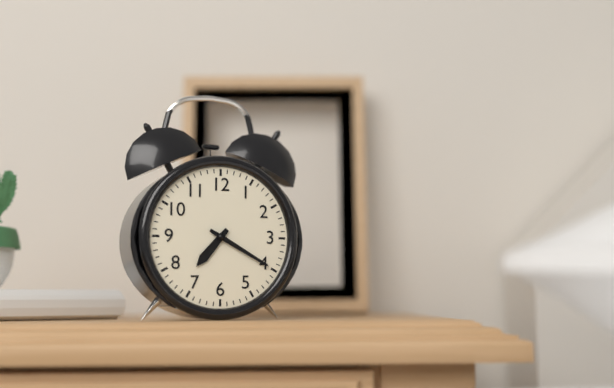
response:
h=7 m=20
